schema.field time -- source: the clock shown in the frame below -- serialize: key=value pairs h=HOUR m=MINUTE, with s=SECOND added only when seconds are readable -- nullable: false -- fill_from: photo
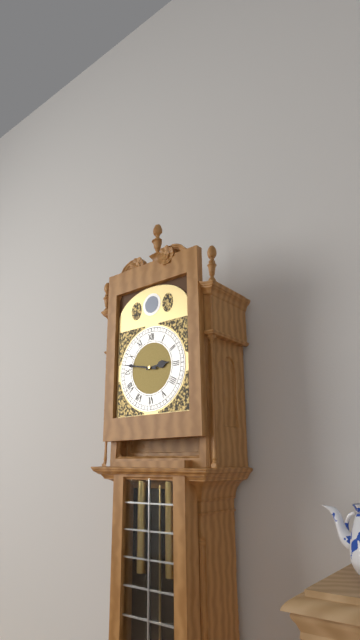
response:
h=2 m=47
